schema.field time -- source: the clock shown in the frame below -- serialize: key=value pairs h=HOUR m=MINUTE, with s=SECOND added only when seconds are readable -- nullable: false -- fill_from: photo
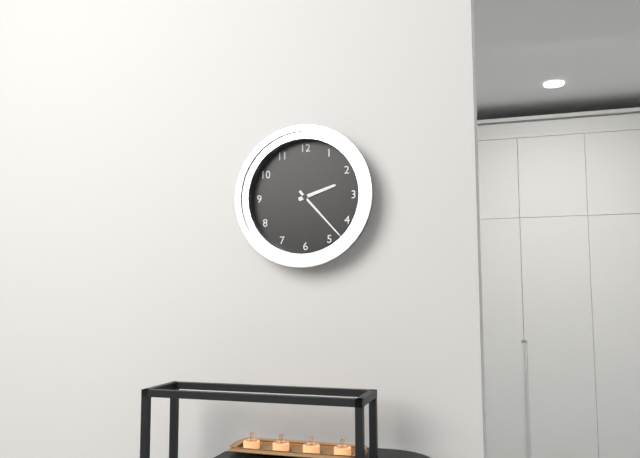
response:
h=2 m=23
